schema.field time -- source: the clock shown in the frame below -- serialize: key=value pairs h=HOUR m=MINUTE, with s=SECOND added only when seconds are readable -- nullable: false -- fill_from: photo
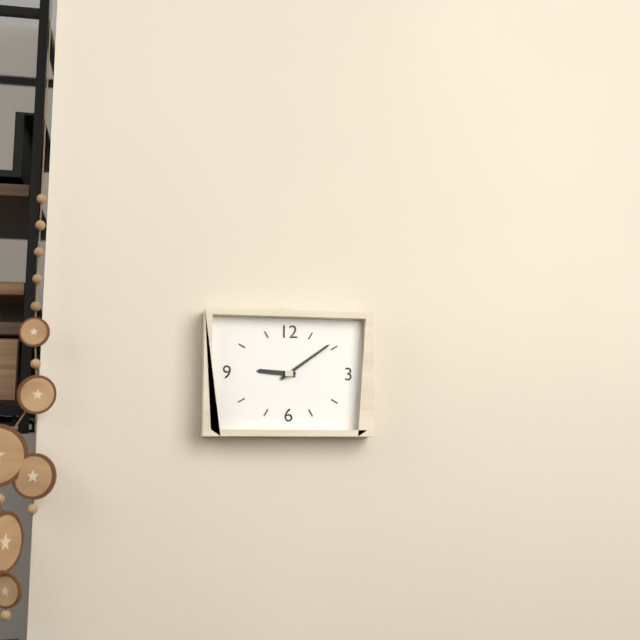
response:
h=9 m=9
